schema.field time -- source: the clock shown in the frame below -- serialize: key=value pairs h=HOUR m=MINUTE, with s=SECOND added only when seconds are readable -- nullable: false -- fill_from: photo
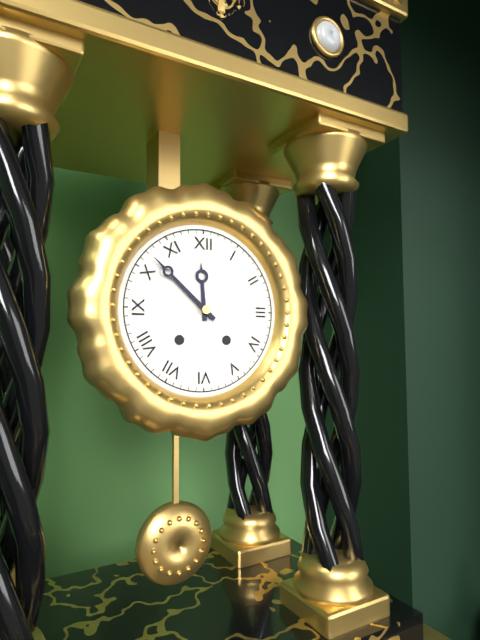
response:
h=11 m=52
